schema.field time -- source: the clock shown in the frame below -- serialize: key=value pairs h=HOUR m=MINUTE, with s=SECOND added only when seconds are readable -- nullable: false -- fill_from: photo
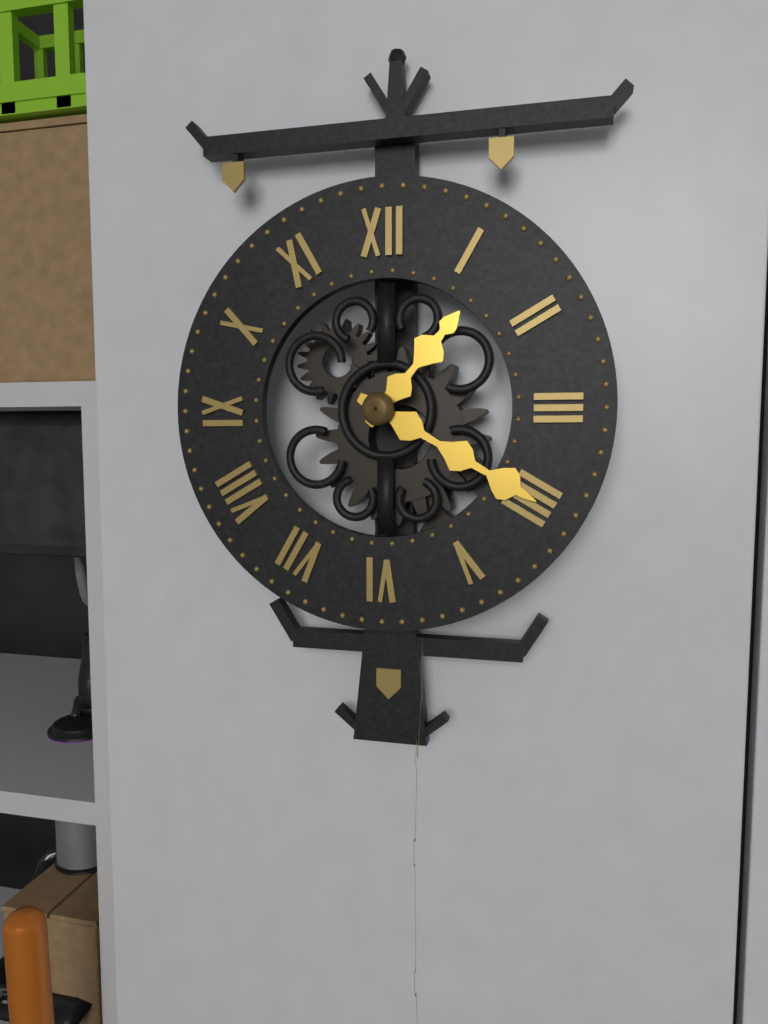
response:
h=1 m=20
